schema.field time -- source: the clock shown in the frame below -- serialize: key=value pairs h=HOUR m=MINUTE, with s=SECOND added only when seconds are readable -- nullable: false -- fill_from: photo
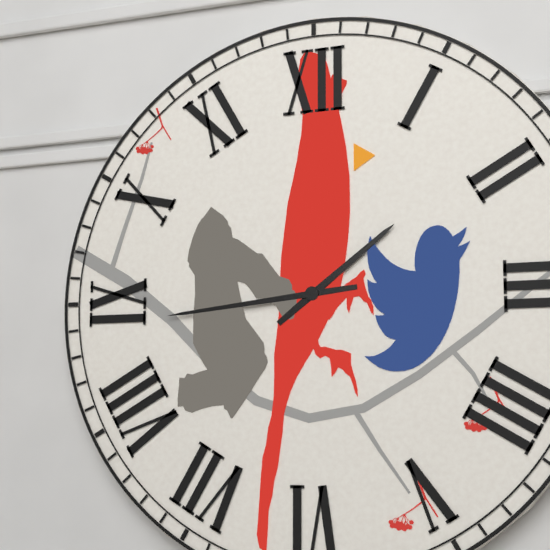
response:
h=1 m=44
